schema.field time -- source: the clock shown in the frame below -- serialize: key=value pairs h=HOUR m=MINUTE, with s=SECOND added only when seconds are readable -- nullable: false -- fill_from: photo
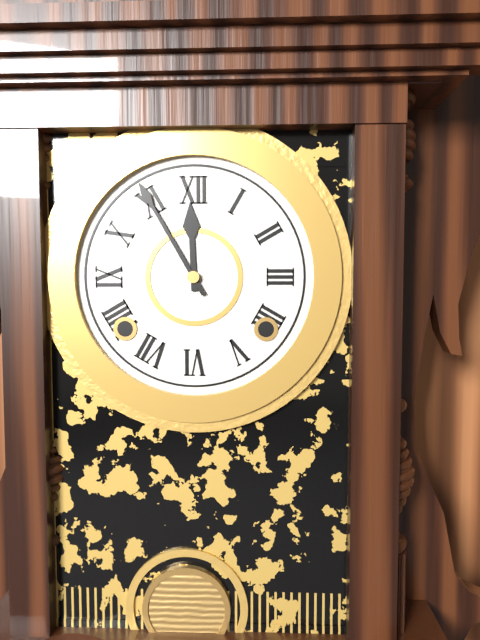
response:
h=11 m=55
